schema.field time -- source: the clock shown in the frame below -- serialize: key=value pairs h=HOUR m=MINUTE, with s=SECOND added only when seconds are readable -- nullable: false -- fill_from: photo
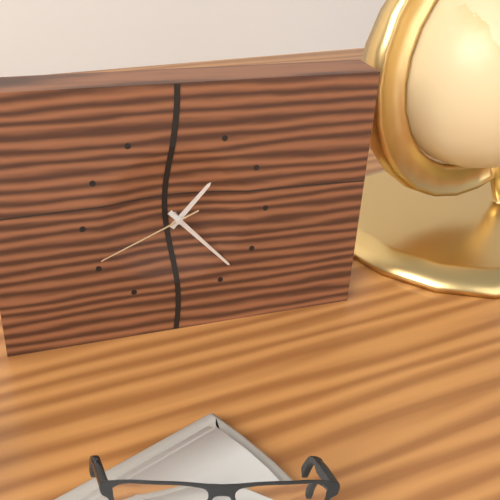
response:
h=1 m=23 s=41
